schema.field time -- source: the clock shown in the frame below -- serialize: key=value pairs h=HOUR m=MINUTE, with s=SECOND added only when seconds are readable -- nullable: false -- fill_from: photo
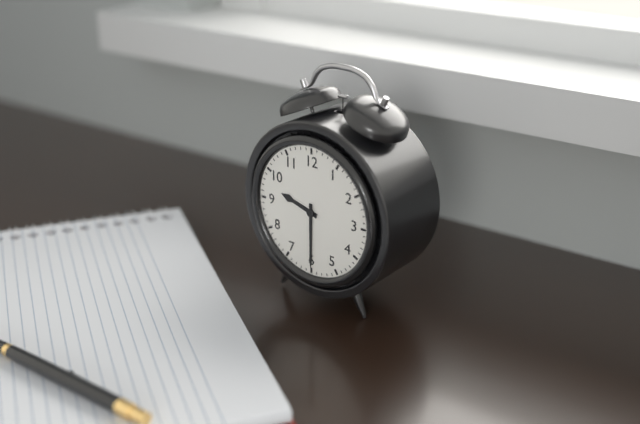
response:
h=9 m=30
